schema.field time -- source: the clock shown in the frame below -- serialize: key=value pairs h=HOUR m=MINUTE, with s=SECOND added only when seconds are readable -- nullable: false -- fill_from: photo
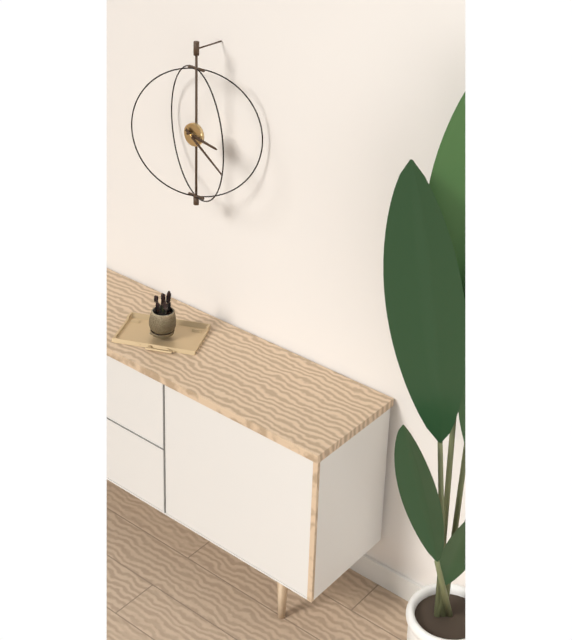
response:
h=3 m=21
